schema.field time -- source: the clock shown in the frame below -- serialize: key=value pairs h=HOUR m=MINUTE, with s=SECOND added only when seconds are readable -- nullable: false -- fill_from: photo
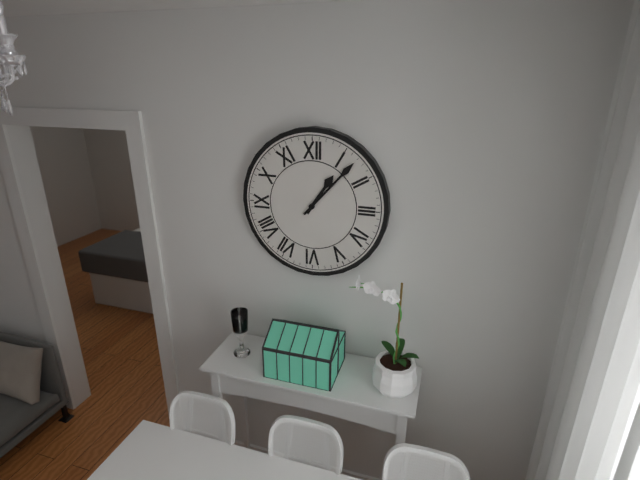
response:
h=1 m=7
